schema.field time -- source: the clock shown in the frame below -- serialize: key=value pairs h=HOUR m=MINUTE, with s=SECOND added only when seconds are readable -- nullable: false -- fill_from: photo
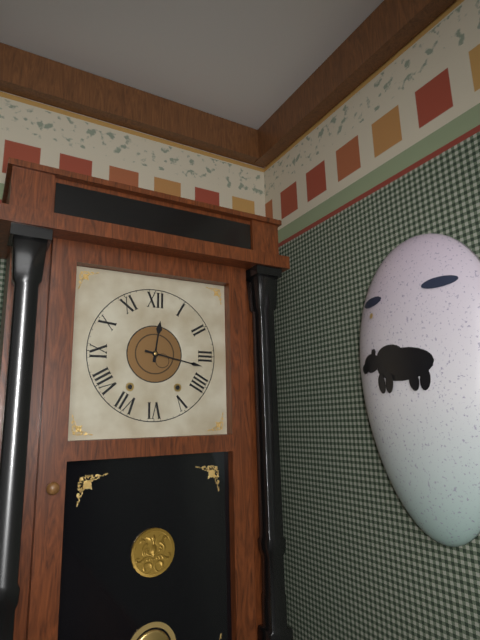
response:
h=12 m=17
